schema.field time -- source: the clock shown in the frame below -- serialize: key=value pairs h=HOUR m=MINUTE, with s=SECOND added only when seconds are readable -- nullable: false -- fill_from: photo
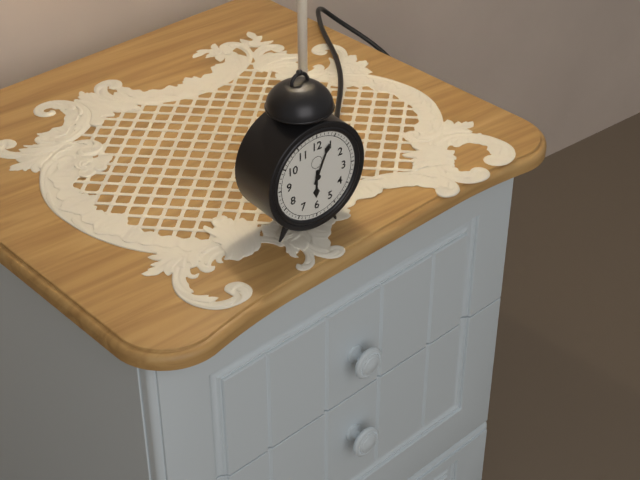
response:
h=6 m=4
